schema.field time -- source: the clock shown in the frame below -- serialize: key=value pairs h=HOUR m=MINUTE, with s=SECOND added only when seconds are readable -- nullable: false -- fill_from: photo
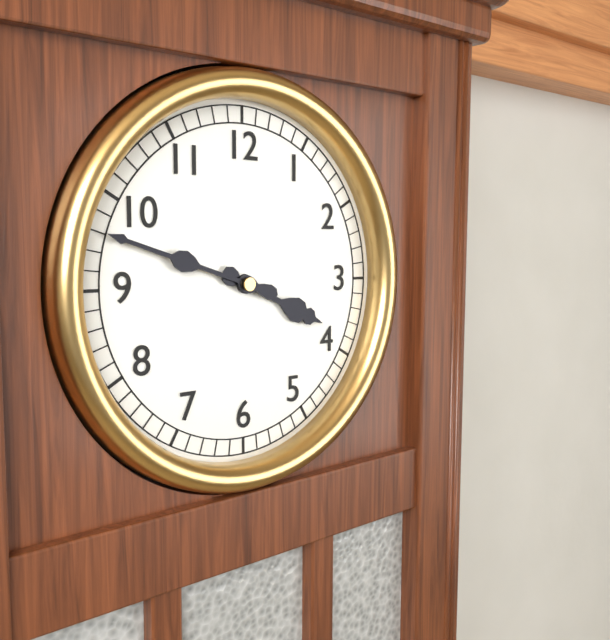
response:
h=3 m=48
